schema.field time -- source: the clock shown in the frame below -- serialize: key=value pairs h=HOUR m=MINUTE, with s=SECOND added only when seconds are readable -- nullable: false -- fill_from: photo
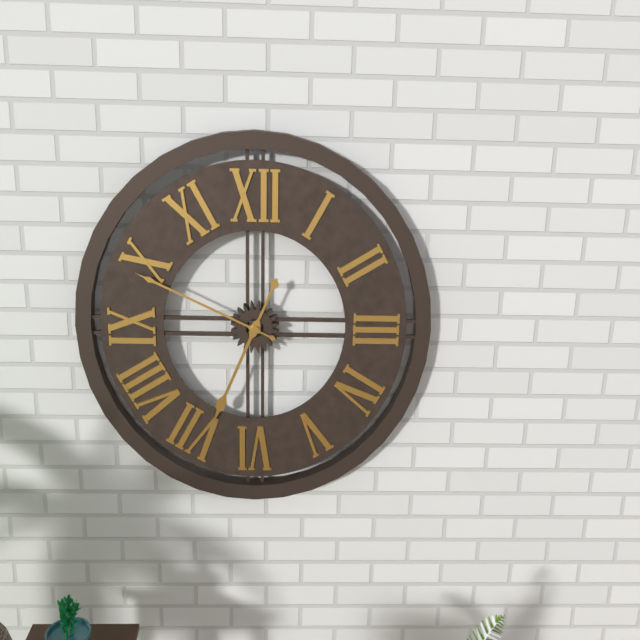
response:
h=6 m=49
